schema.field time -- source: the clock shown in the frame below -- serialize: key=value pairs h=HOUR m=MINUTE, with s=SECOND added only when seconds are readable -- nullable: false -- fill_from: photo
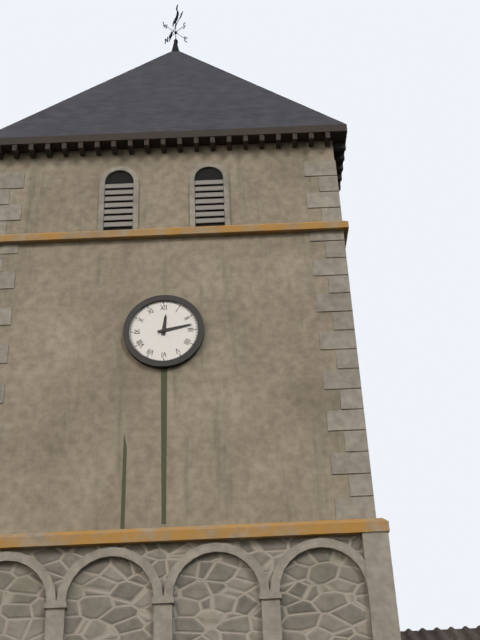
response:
h=12 m=13
